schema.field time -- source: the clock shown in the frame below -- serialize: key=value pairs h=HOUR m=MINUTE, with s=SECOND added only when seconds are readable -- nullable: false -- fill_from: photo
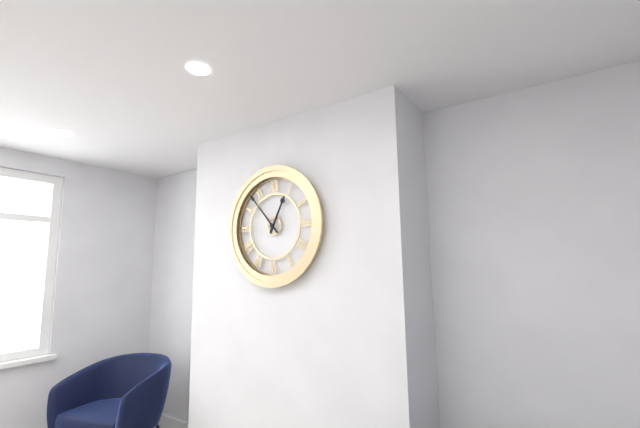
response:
h=12 m=53
